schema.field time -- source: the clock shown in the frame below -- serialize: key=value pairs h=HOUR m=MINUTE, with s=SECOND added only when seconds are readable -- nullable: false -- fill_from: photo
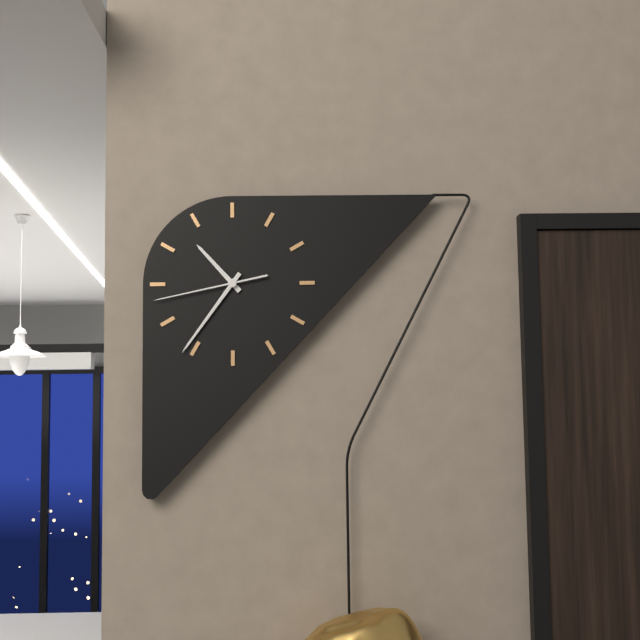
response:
h=10 m=36 s=43
